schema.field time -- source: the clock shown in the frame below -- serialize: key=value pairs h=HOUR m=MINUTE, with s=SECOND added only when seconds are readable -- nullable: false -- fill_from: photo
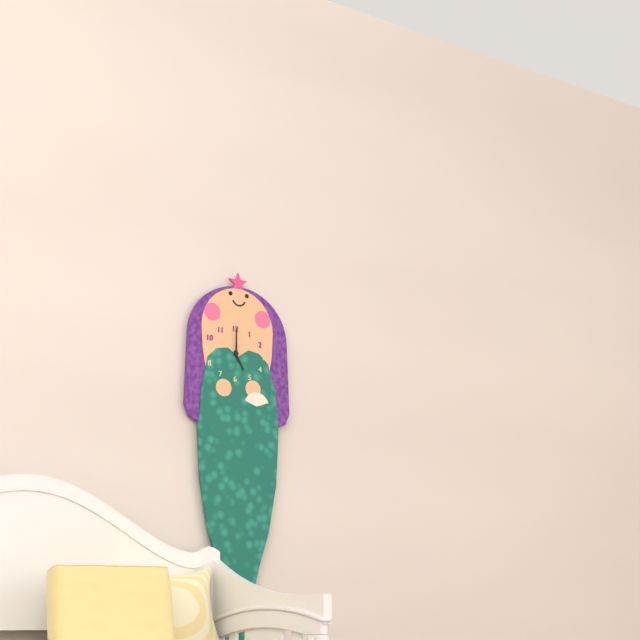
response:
h=5 m=0
